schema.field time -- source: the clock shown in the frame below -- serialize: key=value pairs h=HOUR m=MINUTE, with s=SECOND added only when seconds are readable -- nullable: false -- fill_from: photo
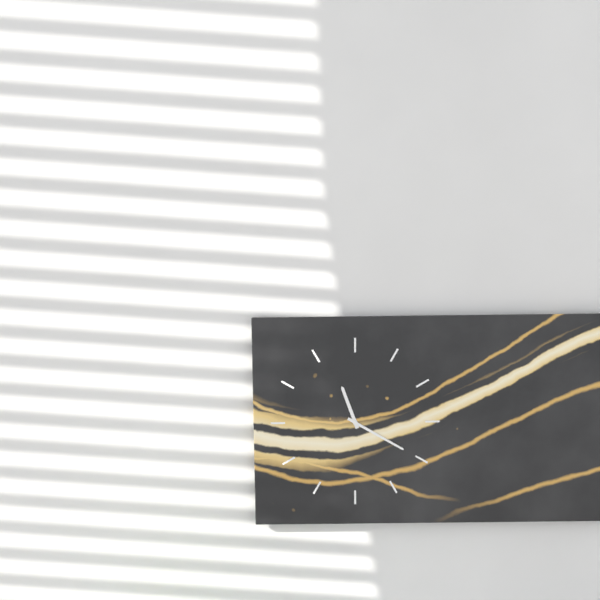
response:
h=11 m=20
